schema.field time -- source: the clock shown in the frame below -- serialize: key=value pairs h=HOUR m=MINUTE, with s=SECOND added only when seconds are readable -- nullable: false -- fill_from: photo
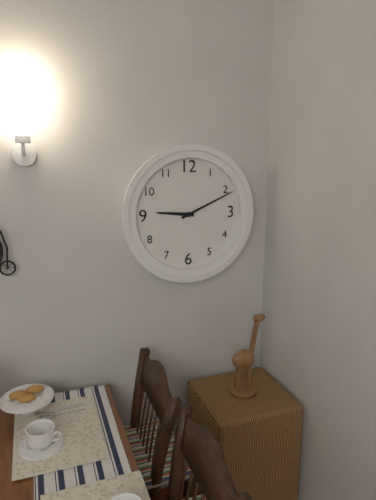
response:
h=9 m=11
